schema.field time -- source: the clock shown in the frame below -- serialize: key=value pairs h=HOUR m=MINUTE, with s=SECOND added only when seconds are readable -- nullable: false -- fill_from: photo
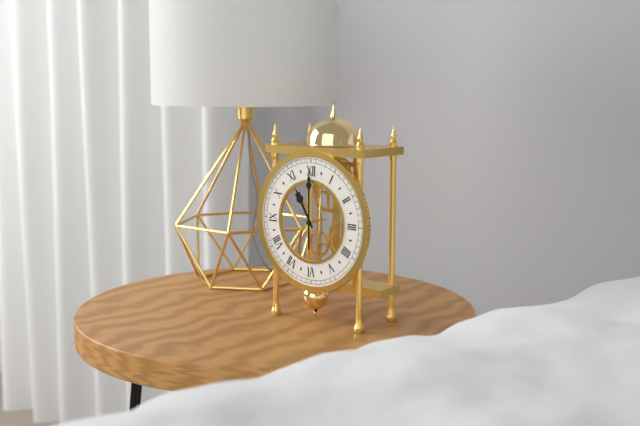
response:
h=11 m=0
